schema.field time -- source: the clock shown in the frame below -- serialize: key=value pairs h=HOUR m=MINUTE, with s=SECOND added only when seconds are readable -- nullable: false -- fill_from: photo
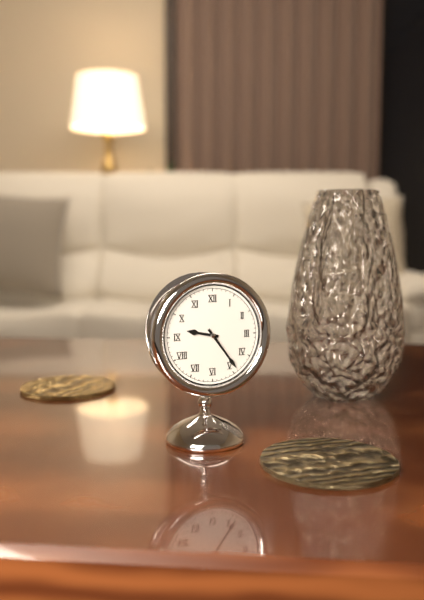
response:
h=9 m=24
